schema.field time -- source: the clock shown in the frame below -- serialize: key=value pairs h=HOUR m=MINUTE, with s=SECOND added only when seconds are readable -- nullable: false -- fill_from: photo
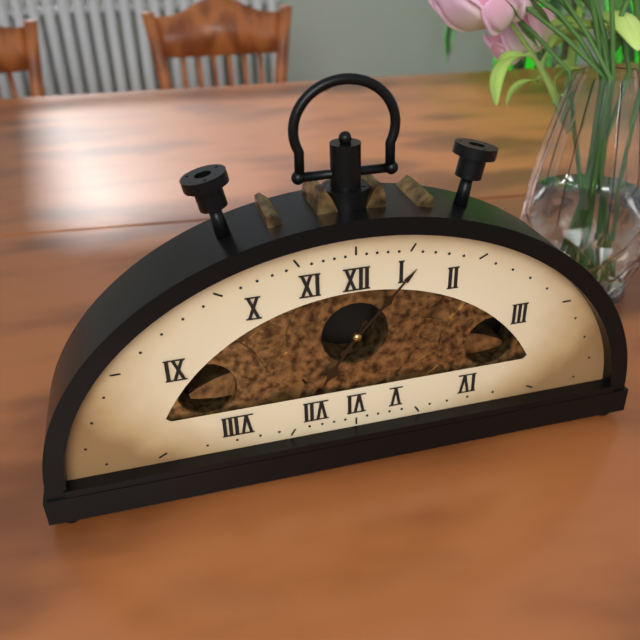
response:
h=7 m=7
